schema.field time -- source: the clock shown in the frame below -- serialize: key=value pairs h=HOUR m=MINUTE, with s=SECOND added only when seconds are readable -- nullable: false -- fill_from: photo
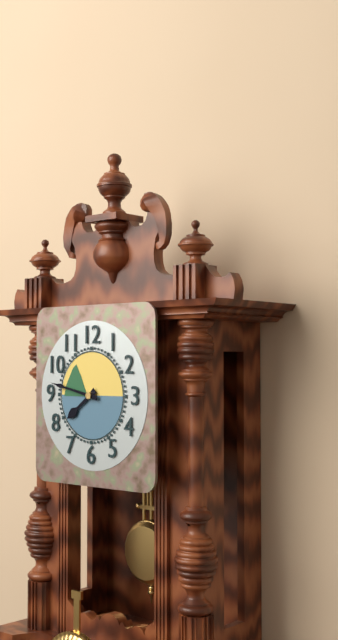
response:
h=7 m=47
